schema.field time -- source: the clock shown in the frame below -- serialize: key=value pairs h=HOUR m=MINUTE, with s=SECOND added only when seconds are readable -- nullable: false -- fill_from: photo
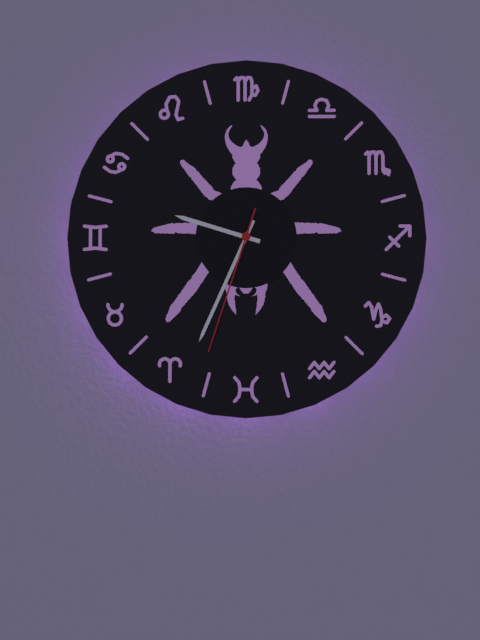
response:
h=9 m=34 s=33
